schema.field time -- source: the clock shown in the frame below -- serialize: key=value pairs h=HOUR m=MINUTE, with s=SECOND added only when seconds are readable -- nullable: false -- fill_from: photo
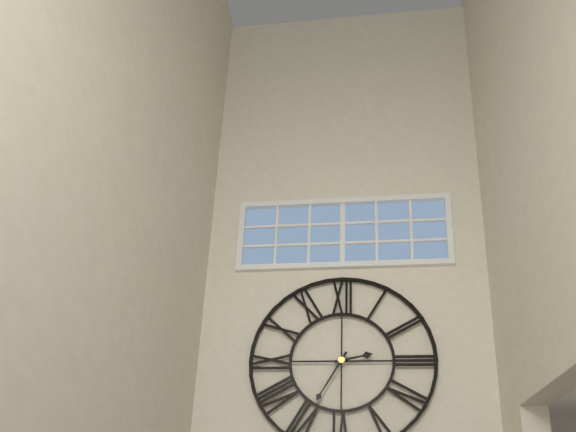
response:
h=2 m=35
